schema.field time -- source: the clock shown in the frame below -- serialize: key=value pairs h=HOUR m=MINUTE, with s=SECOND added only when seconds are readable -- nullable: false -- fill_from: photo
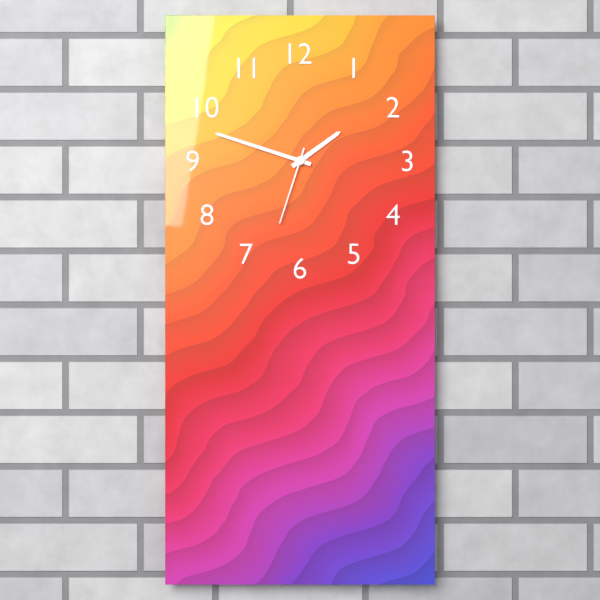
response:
h=1 m=48 s=33
